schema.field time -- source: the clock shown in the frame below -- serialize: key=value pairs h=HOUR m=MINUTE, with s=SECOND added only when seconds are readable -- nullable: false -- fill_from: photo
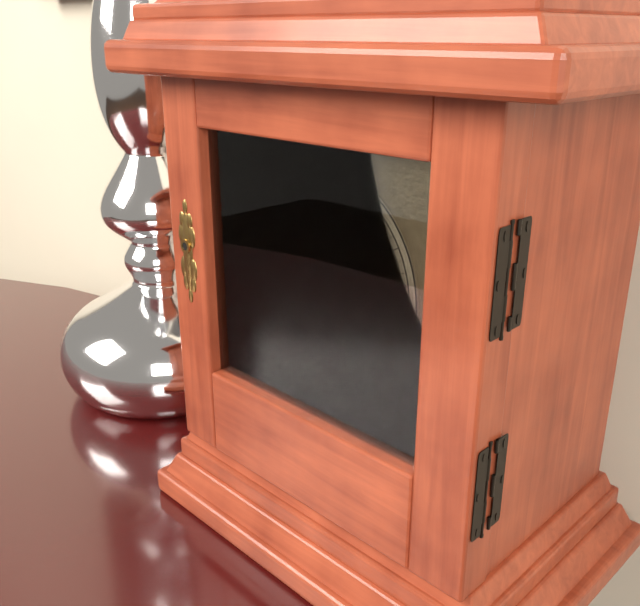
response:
h=4 m=14
